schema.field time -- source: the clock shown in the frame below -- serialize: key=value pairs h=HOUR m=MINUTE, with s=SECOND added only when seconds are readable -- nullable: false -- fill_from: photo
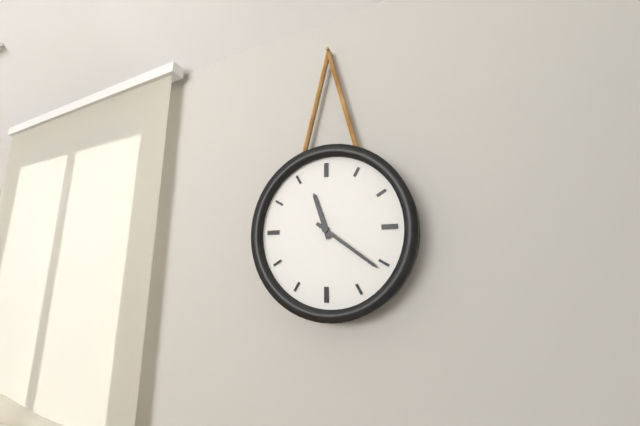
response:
h=11 m=21
